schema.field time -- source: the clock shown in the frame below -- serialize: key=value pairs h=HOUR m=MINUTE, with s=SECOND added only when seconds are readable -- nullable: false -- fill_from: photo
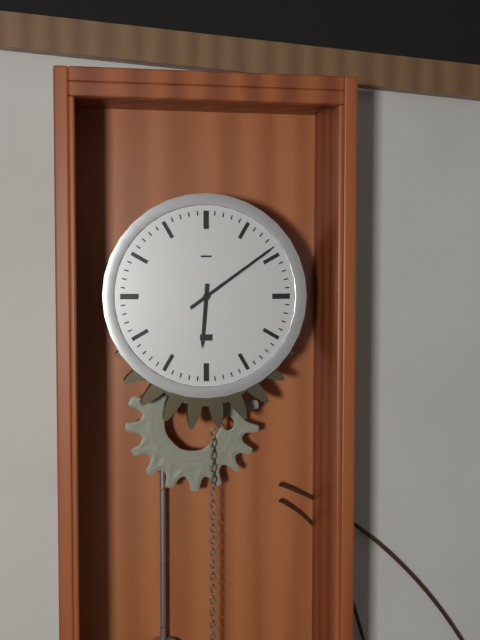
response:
h=6 m=9
